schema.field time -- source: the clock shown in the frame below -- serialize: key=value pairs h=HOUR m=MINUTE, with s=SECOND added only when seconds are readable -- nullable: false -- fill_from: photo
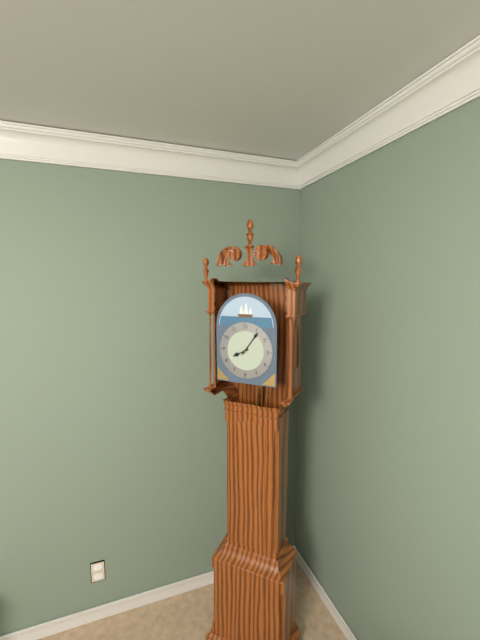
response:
h=8 m=6
